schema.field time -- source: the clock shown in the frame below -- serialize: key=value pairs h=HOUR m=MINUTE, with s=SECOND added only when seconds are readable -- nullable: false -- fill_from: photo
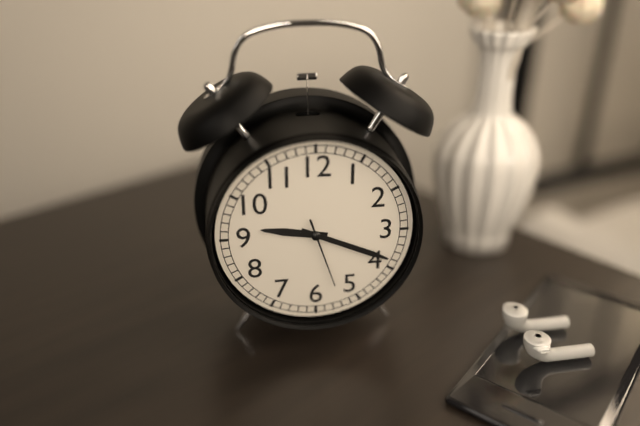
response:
h=9 m=19 s=27
